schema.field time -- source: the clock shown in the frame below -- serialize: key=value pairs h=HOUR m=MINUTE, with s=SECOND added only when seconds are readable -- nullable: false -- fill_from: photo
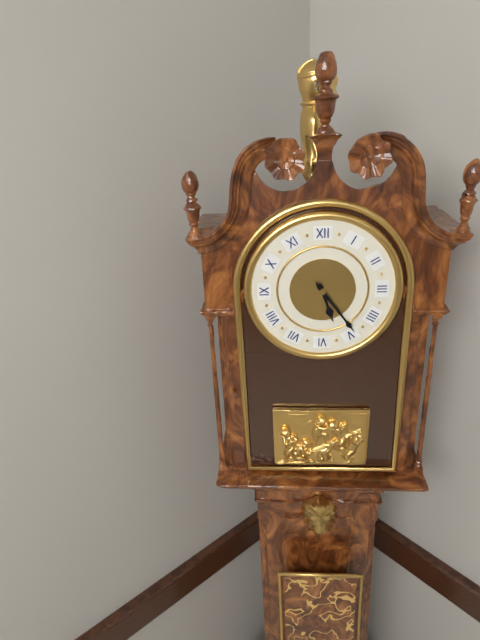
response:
h=5 m=24
